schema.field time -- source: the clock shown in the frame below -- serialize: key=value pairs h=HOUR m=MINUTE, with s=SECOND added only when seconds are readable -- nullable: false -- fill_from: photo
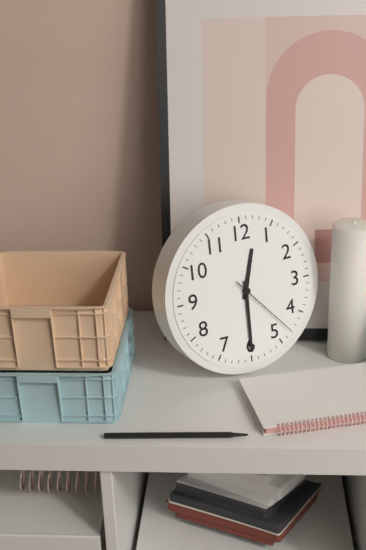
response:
h=12 m=30 s=23
